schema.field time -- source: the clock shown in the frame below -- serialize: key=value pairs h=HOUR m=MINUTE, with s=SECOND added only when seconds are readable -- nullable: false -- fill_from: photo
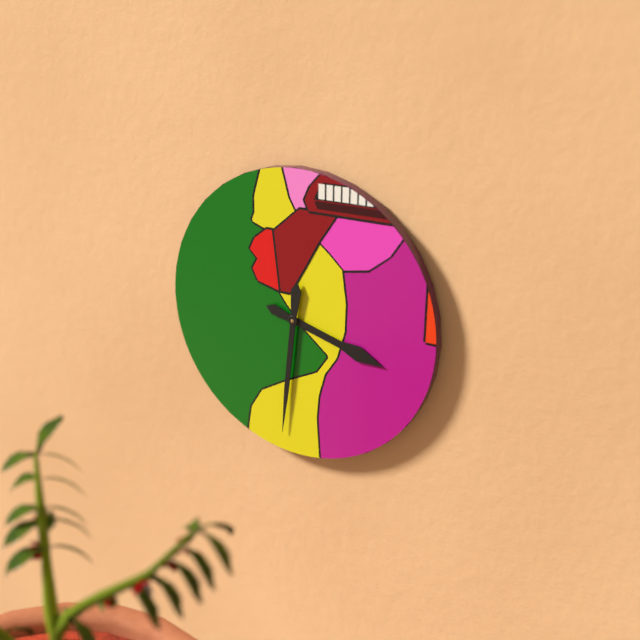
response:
h=3 m=31
